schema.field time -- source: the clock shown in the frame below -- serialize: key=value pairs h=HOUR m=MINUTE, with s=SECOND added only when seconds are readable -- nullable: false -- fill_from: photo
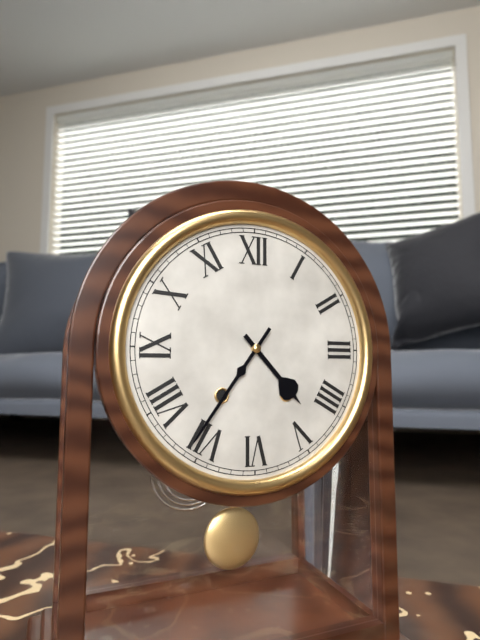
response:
h=4 m=36
